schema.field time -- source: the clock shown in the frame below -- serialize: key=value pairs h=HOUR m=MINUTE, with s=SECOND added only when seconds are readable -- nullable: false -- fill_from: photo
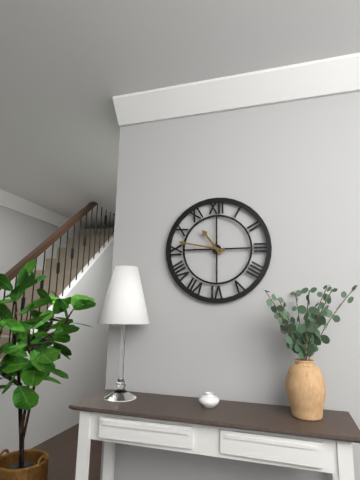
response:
h=10 m=47
